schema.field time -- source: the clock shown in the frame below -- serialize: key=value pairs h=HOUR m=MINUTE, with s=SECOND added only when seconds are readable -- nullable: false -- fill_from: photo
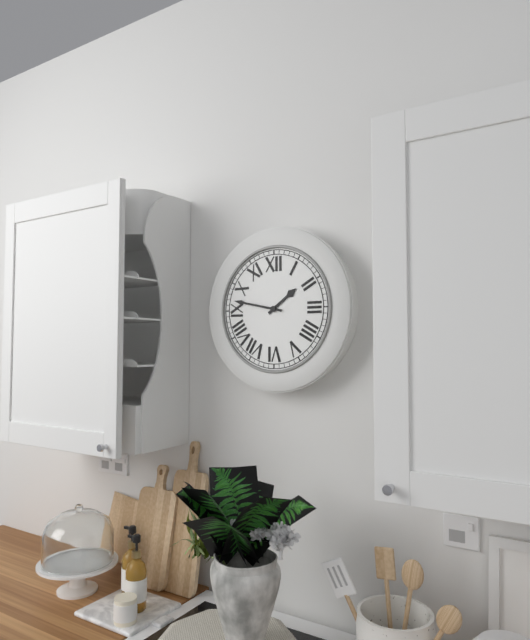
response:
h=1 m=47
